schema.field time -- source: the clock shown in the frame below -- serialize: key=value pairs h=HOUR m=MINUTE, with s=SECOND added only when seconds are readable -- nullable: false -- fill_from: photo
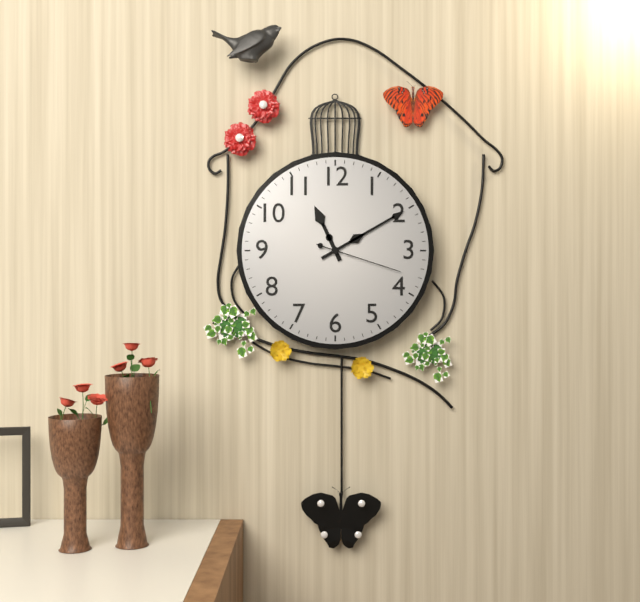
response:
h=11 m=10 s=18
